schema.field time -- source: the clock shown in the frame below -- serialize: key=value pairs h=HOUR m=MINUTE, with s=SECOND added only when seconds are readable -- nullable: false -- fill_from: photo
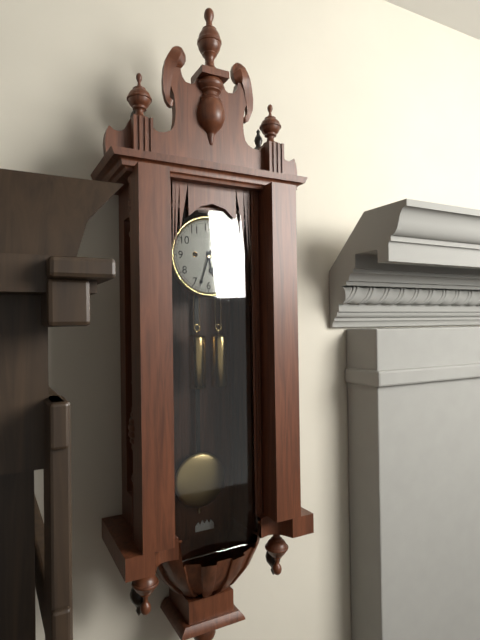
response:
h=5 m=33
